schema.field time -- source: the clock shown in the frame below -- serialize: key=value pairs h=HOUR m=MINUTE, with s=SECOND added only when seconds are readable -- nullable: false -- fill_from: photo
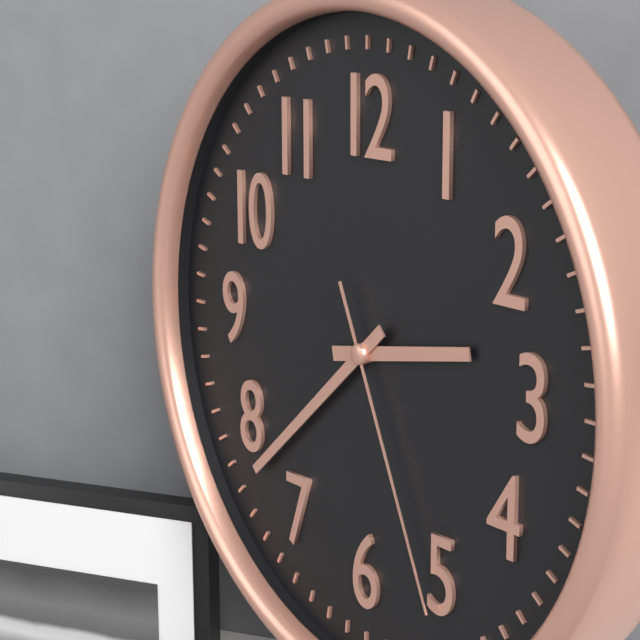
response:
h=2 m=38 s=26
